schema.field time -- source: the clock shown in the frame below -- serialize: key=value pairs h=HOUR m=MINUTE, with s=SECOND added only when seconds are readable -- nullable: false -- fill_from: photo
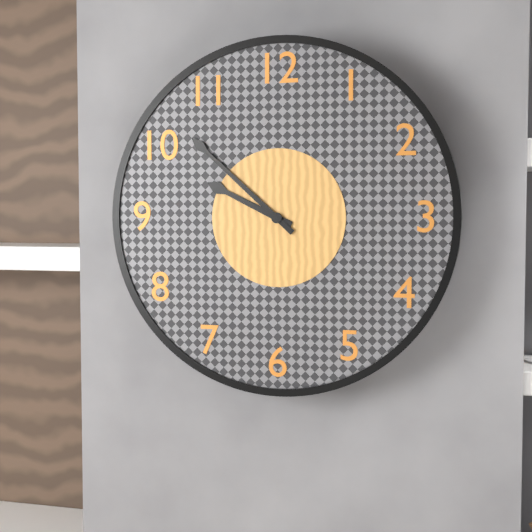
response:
h=9 m=52
